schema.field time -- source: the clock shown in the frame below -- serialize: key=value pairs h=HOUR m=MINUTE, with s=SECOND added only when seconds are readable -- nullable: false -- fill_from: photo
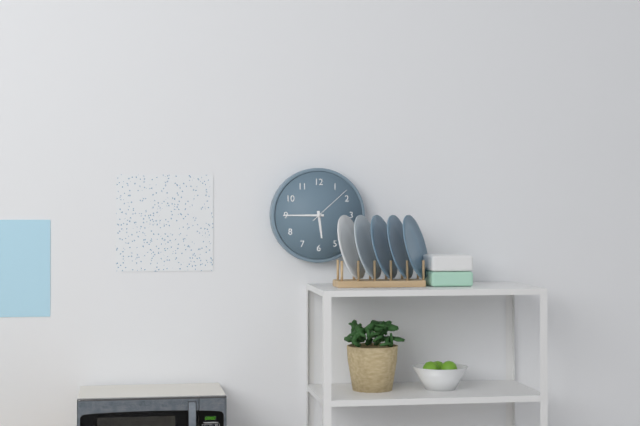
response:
h=5 m=45
